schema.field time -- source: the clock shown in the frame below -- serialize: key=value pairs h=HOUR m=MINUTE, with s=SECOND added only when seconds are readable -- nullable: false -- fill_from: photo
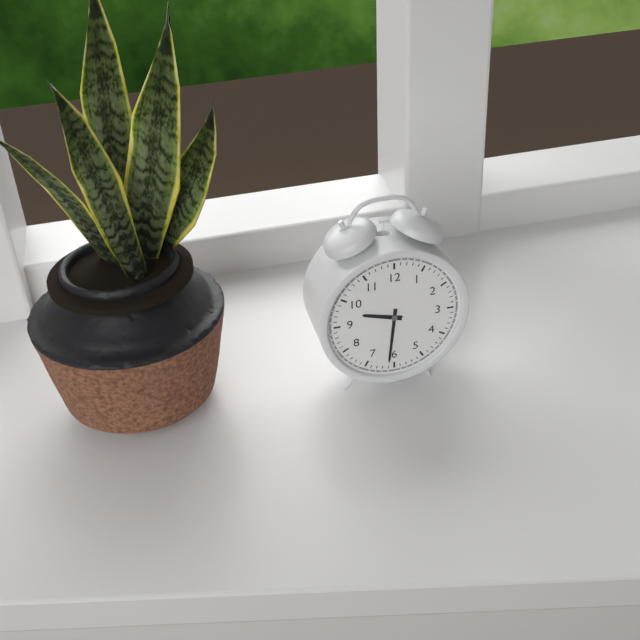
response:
h=9 m=31
